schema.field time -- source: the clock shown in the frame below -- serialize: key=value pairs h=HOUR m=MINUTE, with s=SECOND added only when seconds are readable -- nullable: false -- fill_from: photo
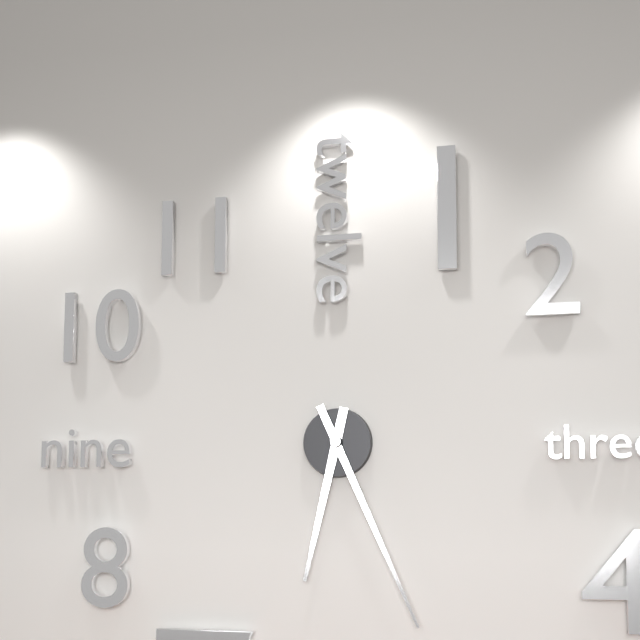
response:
h=6 m=26
